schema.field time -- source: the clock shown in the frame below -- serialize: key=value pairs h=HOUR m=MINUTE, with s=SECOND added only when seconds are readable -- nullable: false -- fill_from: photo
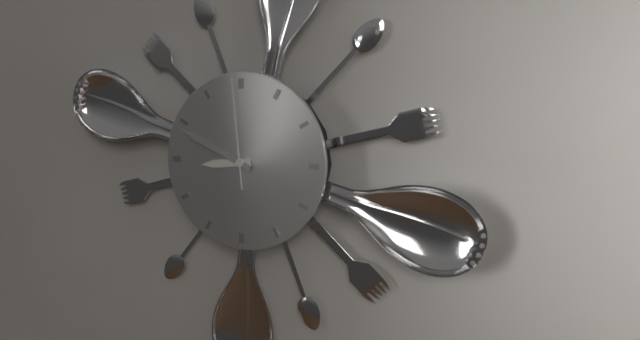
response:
h=8 m=49 s=59
